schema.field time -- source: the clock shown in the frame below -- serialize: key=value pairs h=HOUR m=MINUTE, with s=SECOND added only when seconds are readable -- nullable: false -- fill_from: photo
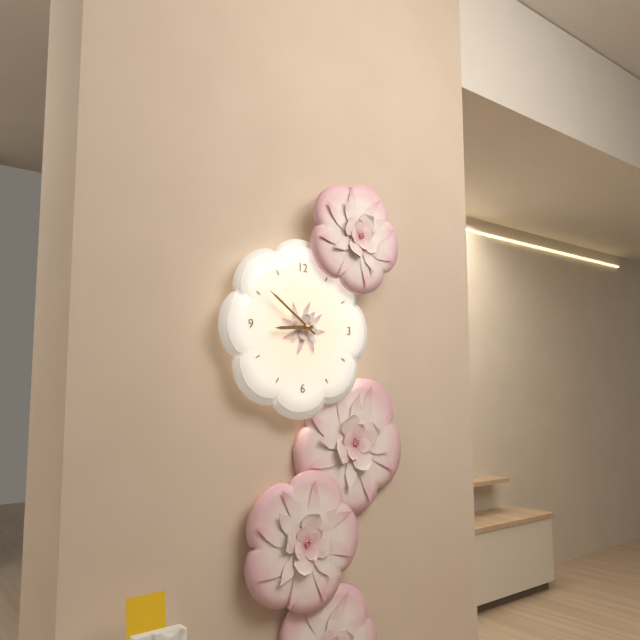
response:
h=8 m=51
